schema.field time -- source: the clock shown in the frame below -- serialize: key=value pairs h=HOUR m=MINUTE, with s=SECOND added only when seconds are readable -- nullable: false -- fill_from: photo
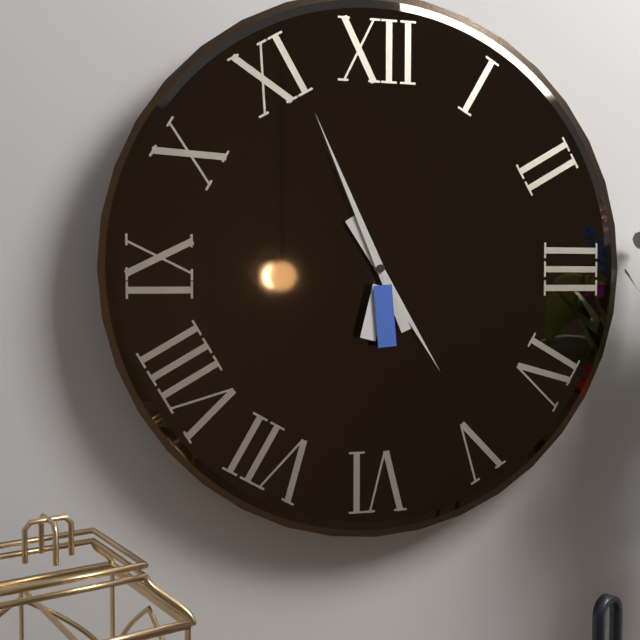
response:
h=4 m=56
